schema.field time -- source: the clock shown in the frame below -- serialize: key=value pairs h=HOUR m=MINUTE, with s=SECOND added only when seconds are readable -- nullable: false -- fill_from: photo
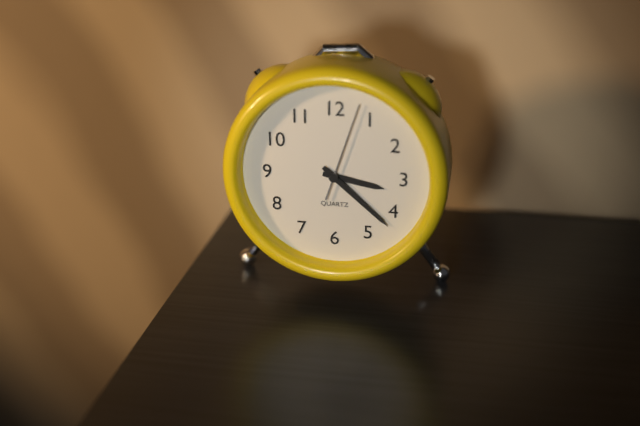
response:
h=3 m=22 s=3
